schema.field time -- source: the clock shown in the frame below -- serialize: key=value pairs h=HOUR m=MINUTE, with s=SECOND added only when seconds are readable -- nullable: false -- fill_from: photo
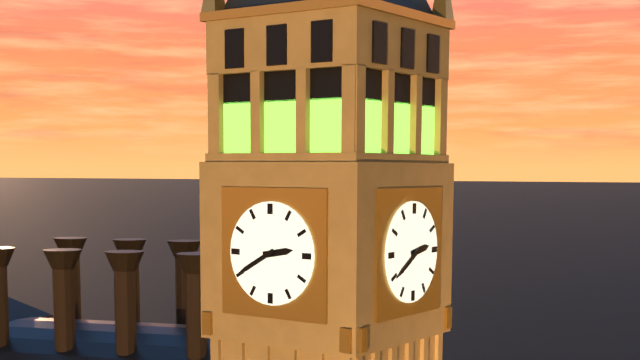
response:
h=2 m=40
